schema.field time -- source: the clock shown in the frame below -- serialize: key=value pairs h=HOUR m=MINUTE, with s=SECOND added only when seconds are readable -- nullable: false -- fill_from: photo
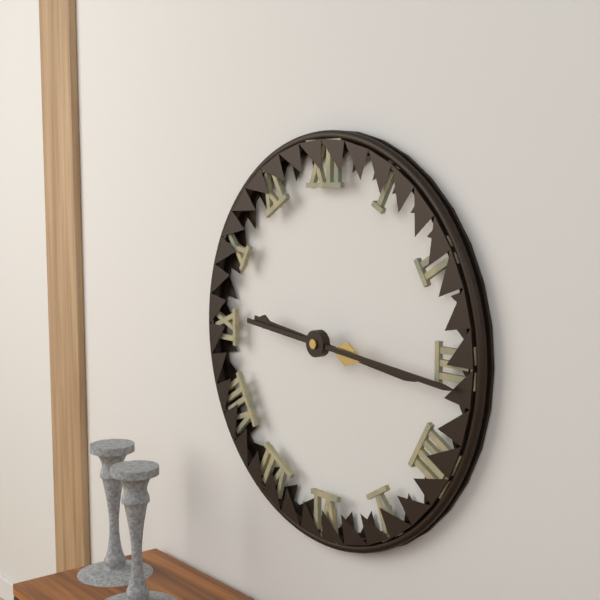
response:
h=3 m=16
